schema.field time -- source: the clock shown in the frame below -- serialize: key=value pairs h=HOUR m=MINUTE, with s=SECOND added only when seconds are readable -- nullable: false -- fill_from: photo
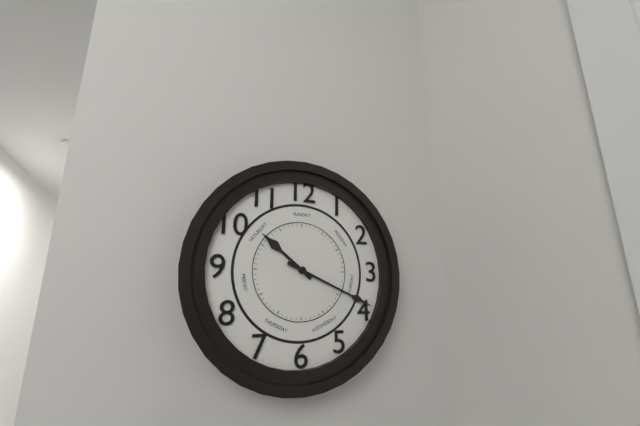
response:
h=10 m=19
